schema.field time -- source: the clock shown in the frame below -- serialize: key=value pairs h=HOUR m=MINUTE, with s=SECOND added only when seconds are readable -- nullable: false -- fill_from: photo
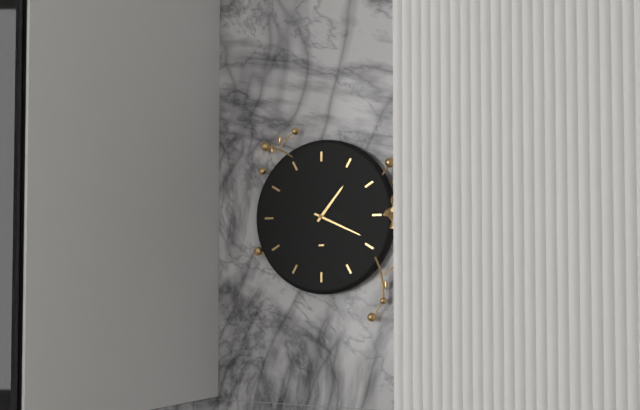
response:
h=1 m=19
